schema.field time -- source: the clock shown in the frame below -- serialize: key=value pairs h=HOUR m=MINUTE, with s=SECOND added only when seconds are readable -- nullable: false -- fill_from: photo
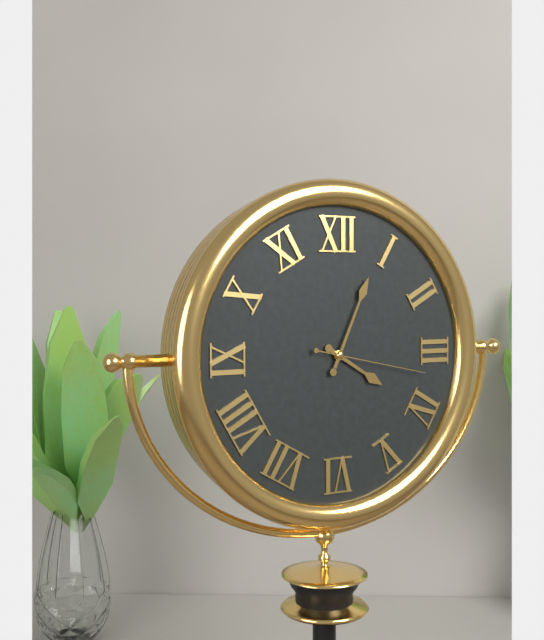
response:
h=4 m=4 s=17
